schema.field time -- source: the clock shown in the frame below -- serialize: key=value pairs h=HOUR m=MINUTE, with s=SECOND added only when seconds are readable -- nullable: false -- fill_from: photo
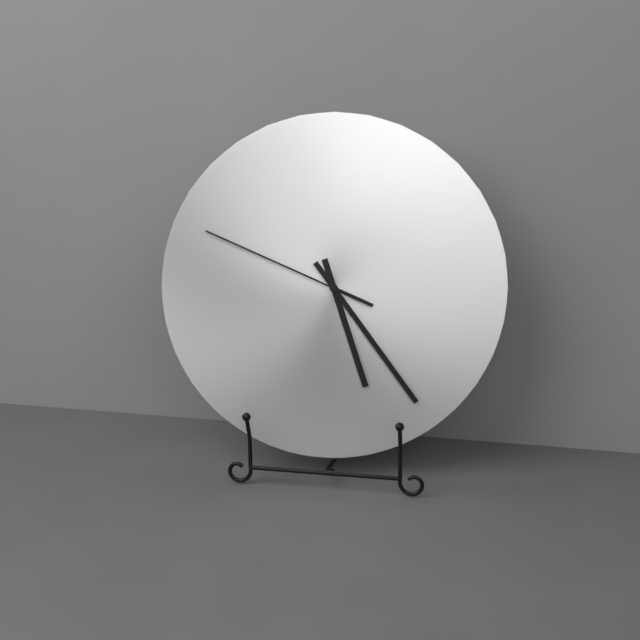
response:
h=5 m=24 s=49
